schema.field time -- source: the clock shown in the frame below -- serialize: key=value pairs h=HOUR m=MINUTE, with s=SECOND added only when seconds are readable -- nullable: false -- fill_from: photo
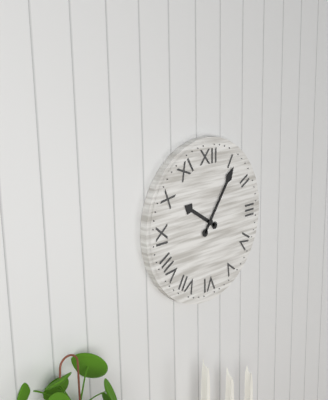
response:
h=10 m=6
